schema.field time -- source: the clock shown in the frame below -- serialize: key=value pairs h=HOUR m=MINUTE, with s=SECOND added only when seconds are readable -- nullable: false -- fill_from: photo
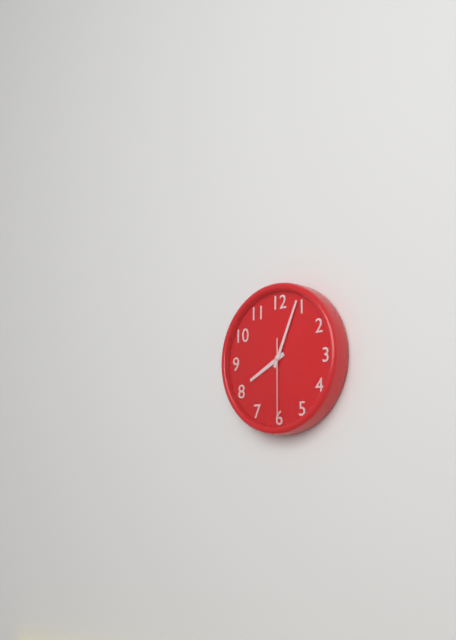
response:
h=8 m=4 s=30
